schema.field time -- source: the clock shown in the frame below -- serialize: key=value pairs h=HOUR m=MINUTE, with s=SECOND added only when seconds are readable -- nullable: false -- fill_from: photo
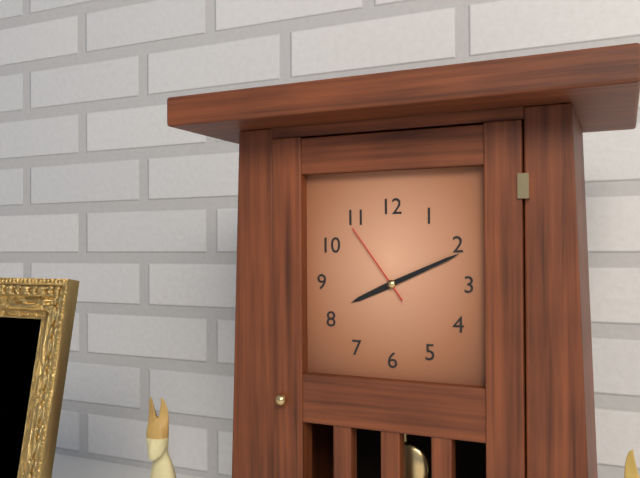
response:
h=8 m=11 s=54
